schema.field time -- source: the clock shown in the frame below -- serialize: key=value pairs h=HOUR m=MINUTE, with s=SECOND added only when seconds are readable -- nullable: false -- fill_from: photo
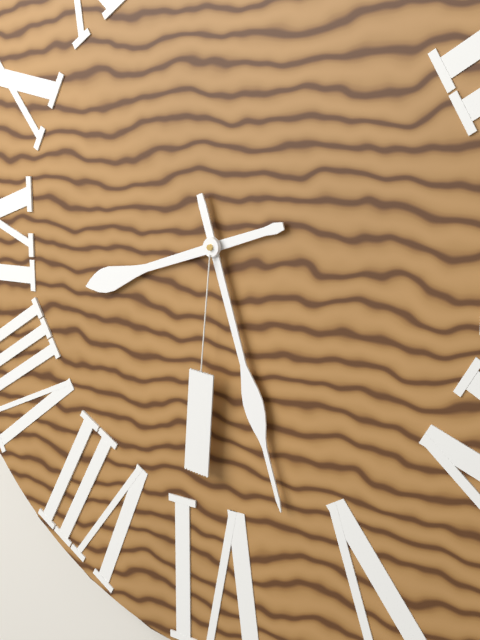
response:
h=8 m=27
